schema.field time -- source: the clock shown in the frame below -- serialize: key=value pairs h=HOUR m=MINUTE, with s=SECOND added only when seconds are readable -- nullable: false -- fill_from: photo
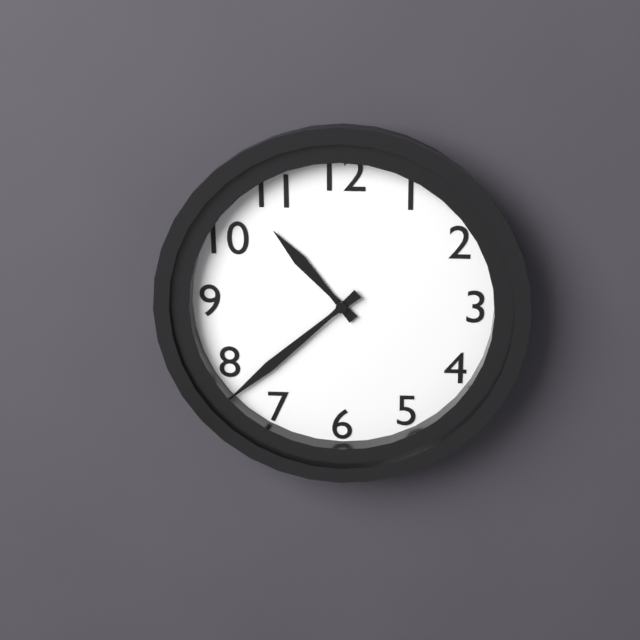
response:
h=10 m=38
